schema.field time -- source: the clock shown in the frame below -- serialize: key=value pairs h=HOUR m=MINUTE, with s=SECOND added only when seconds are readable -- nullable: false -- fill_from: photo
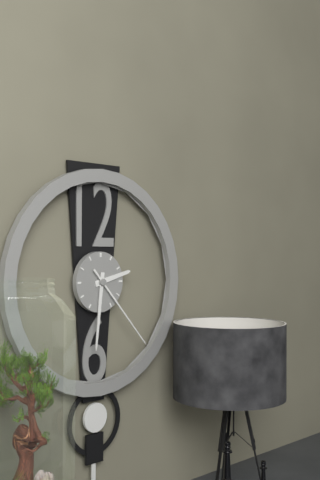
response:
h=2 m=31 s=23
